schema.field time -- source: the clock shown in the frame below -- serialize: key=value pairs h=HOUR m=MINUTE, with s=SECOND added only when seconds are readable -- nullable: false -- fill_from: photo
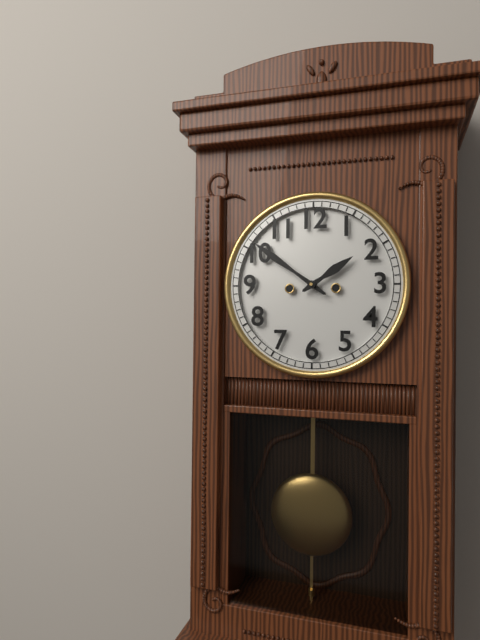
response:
h=1 m=51
